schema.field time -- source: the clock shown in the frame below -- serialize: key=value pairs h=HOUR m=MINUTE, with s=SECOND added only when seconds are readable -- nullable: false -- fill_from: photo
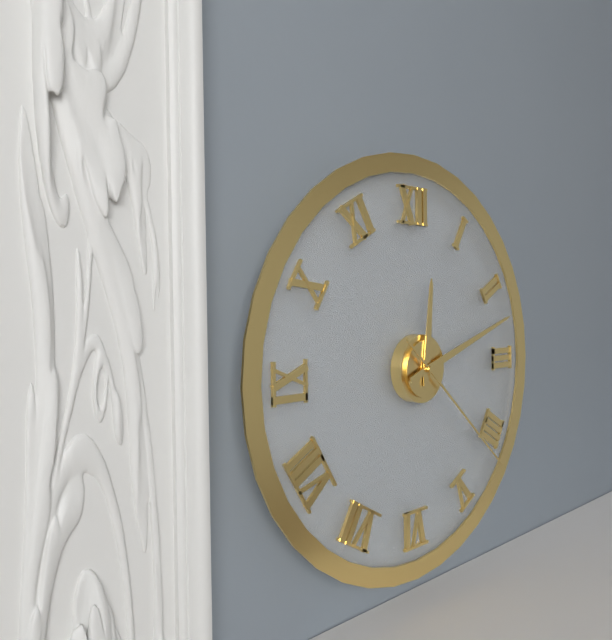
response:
h=12 m=12 s=22
